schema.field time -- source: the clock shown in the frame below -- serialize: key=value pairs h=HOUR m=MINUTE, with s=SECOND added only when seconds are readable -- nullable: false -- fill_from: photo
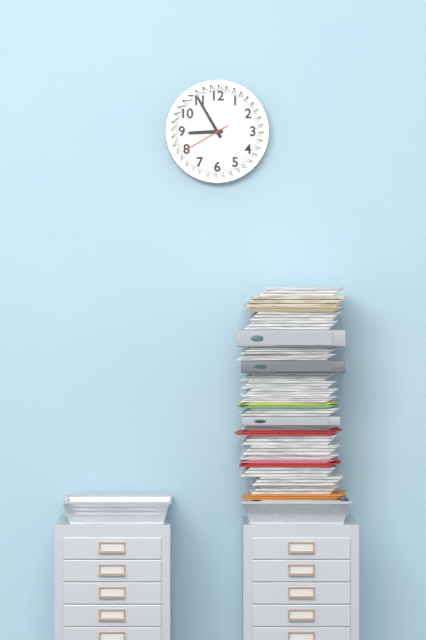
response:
h=8 m=55
